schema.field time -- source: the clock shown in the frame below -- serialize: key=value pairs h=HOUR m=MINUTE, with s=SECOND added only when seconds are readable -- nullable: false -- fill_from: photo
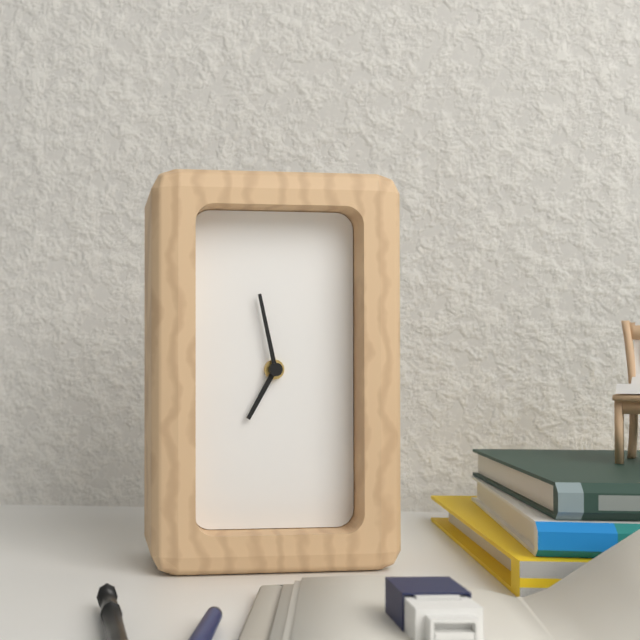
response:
h=6 m=58
